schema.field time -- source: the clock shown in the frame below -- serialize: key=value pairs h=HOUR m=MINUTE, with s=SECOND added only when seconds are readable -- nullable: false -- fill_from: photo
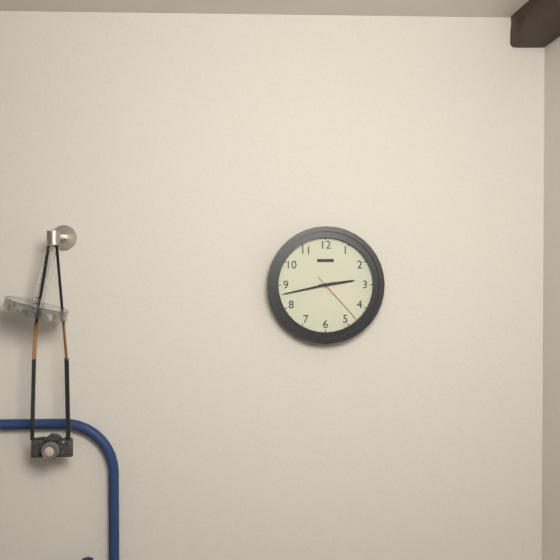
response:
h=2 m=43 s=23
